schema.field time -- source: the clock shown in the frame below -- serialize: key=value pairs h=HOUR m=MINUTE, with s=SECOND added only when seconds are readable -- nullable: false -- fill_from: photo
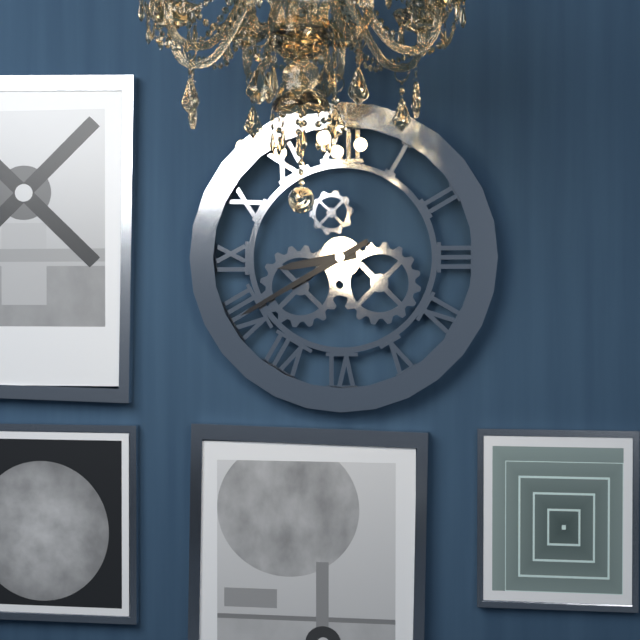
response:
h=8 m=40
